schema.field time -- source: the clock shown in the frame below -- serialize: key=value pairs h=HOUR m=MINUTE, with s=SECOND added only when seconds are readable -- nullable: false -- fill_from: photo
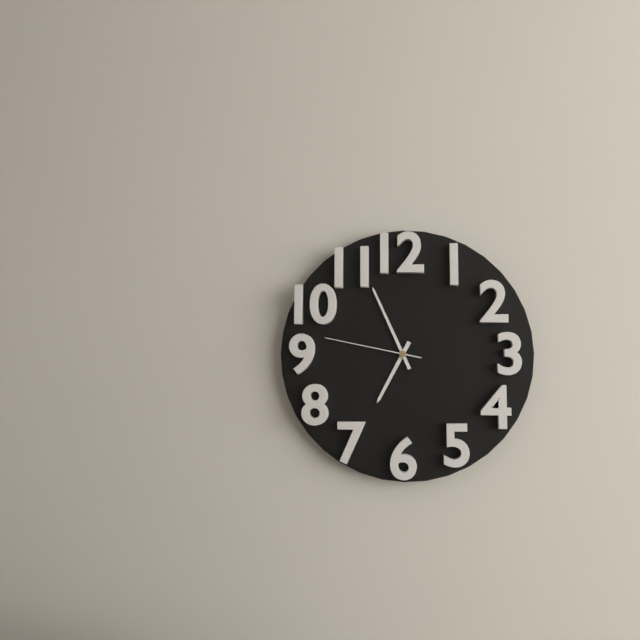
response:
h=6 m=56 s=47
